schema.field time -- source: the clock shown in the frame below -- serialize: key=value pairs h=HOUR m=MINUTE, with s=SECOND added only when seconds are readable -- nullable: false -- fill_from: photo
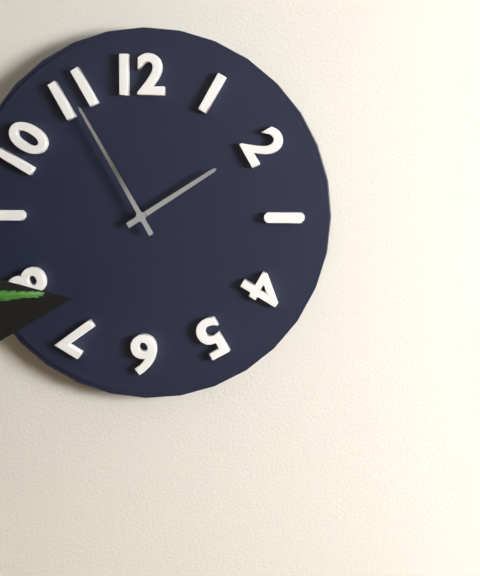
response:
h=1 m=55
